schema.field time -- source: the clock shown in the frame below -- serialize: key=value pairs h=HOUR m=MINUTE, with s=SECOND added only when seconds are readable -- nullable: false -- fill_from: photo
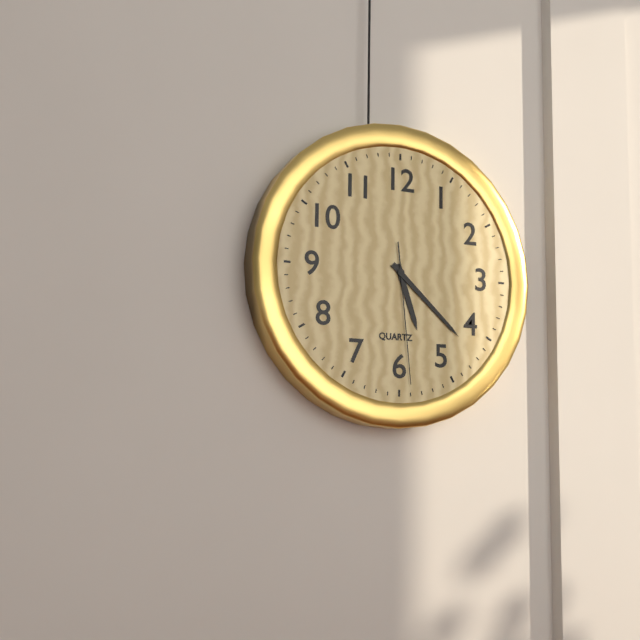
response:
h=5 m=22 s=29
